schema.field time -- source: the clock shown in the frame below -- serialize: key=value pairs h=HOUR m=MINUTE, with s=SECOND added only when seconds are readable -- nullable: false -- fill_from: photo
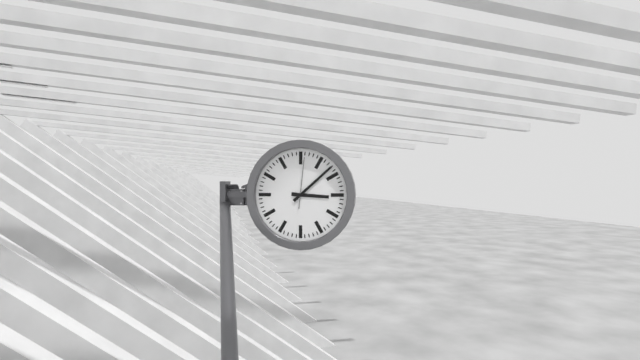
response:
h=3 m=8
